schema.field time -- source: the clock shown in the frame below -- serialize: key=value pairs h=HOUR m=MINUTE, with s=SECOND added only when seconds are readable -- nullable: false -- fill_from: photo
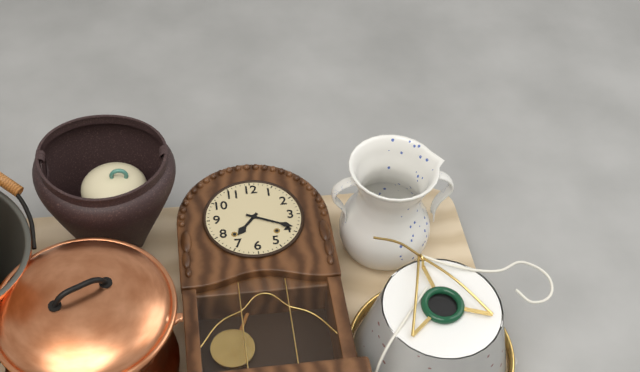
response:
h=7 m=19
